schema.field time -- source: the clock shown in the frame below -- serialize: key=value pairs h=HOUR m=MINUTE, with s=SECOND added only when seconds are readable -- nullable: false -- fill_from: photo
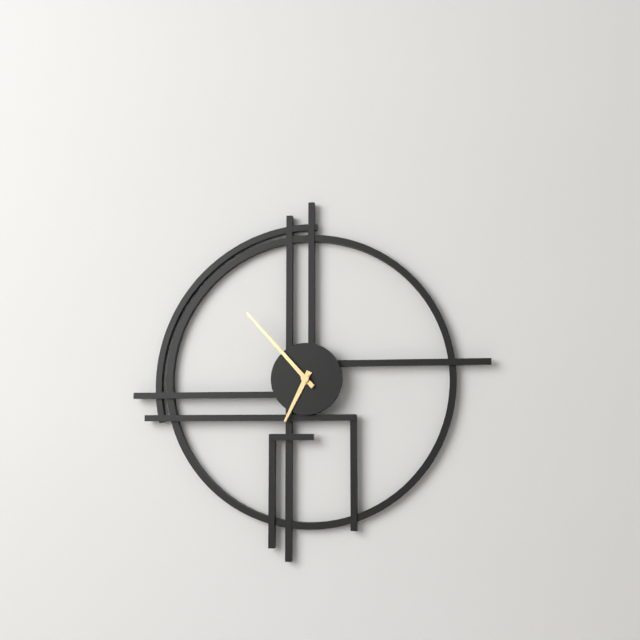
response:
h=6 m=53
